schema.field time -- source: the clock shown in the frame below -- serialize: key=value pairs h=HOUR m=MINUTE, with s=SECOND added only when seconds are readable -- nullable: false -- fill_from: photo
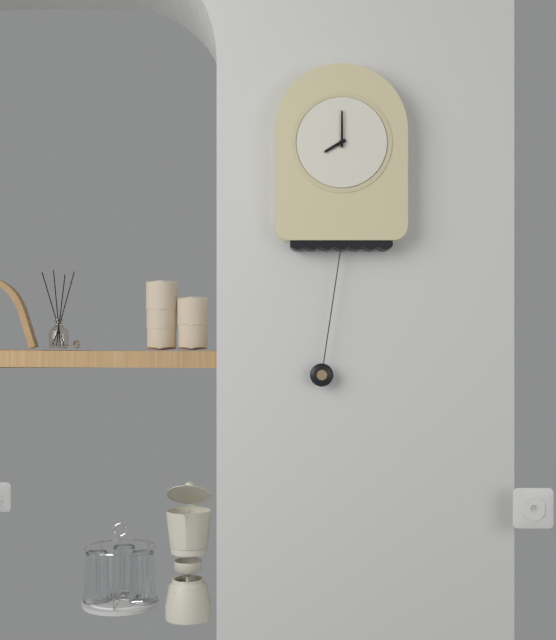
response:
h=8 m=0
